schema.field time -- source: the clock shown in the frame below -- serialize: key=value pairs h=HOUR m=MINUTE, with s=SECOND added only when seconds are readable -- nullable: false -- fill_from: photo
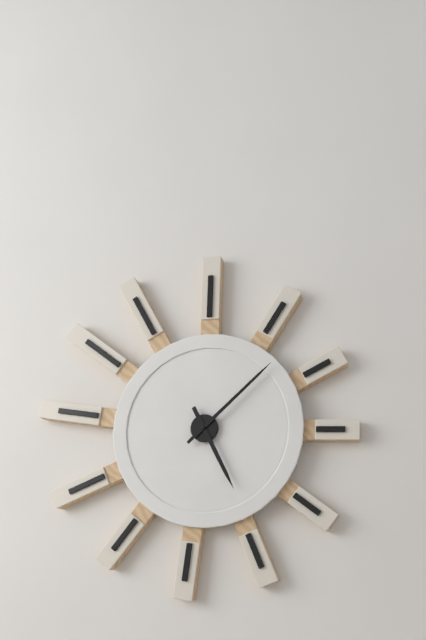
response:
h=5 m=8
